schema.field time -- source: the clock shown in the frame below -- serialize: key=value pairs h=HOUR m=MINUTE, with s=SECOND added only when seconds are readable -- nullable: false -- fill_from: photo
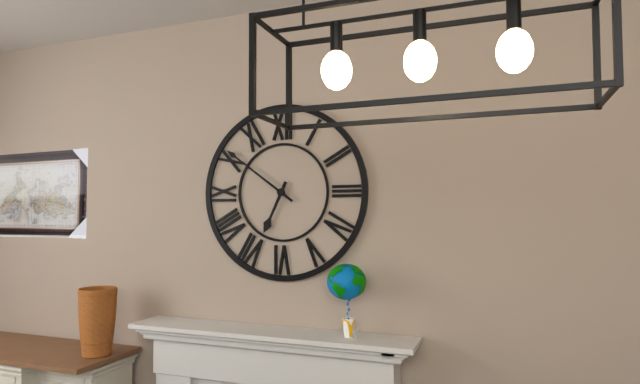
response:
h=6 m=51
